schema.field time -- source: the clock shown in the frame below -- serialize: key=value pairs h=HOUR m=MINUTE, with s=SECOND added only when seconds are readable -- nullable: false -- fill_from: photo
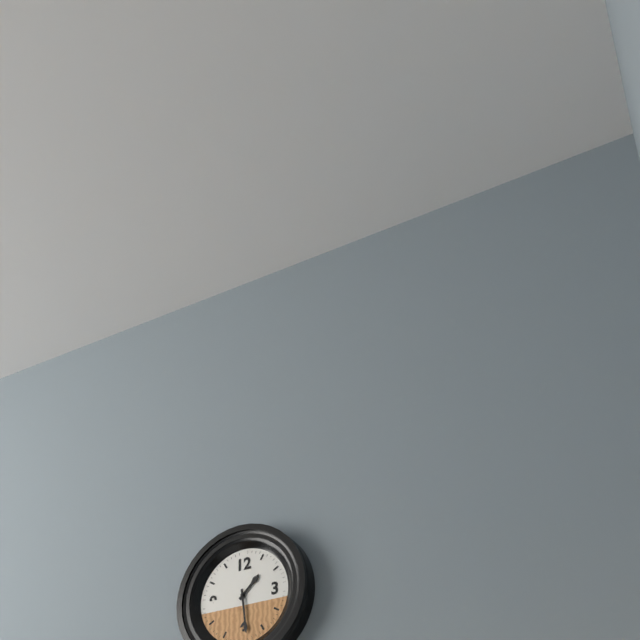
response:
h=1 m=29
